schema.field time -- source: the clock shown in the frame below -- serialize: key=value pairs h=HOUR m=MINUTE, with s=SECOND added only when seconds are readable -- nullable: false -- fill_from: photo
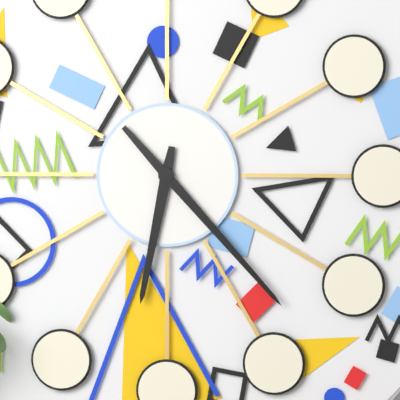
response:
h=6 m=23
